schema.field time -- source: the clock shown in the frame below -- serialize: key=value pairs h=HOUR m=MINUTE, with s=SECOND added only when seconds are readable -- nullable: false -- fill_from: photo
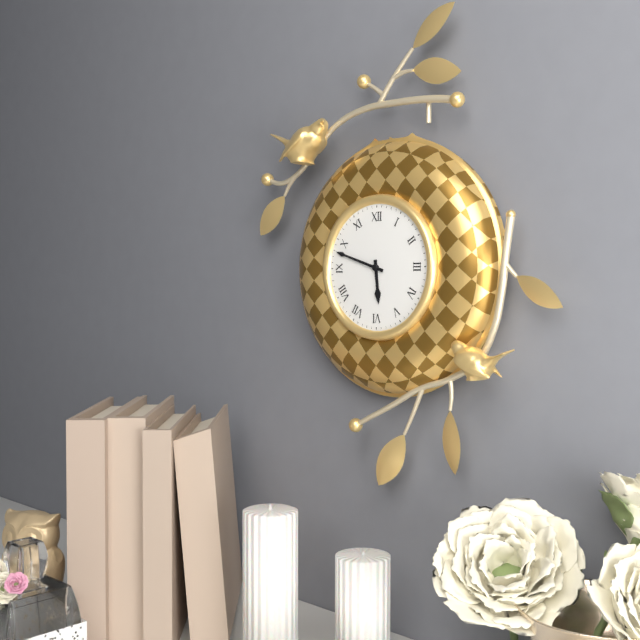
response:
h=5 m=48
